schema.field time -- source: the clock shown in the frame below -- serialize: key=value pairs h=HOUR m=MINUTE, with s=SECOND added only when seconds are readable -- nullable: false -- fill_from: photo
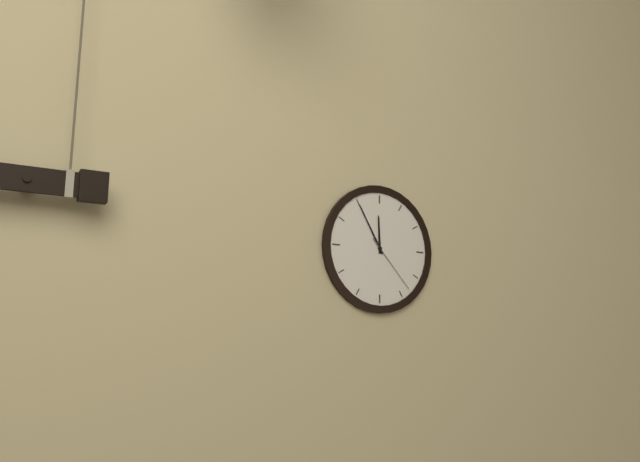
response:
h=11 m=55 s=23
